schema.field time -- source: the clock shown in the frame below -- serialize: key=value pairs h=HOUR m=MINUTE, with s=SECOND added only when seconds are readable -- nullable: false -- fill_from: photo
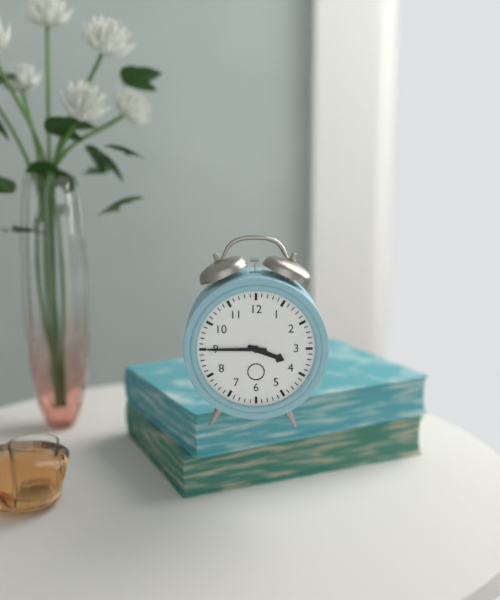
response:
h=3 m=45
